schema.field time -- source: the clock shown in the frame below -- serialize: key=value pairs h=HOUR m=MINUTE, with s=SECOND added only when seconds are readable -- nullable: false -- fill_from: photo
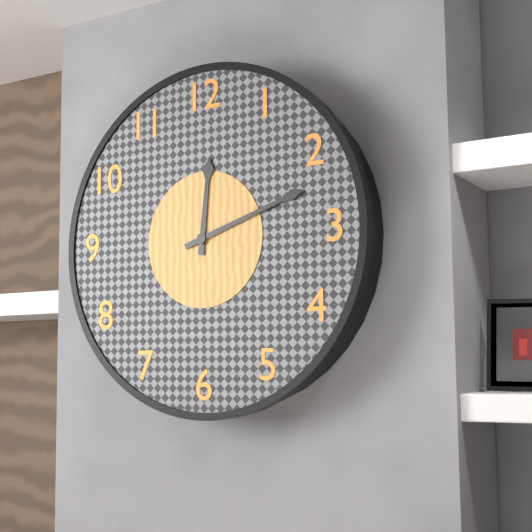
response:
h=12 m=12
